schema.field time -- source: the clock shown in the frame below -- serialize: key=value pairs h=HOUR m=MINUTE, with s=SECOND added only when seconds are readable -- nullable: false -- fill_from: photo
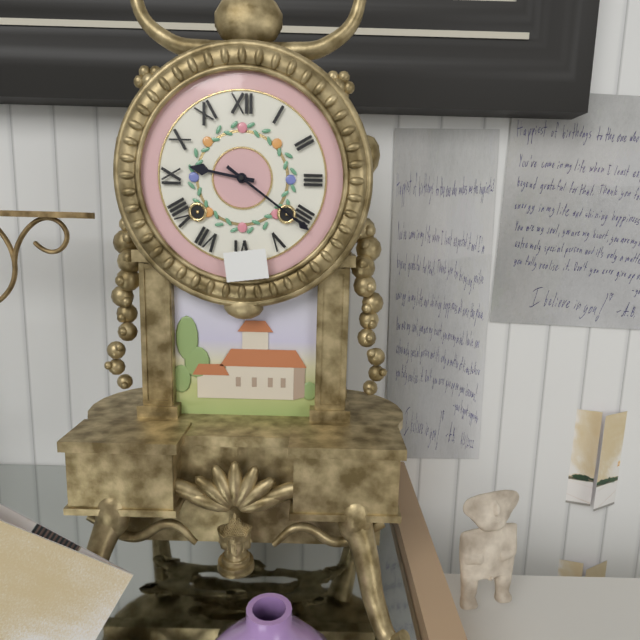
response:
h=9 m=21
